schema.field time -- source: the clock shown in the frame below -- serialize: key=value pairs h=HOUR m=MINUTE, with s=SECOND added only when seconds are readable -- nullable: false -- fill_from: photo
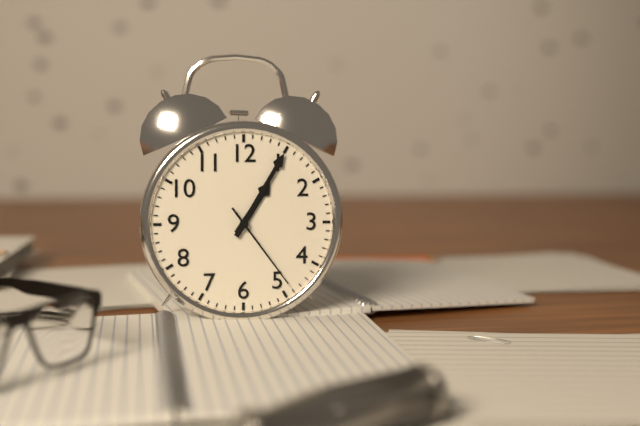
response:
h=1 m=5 s=24
